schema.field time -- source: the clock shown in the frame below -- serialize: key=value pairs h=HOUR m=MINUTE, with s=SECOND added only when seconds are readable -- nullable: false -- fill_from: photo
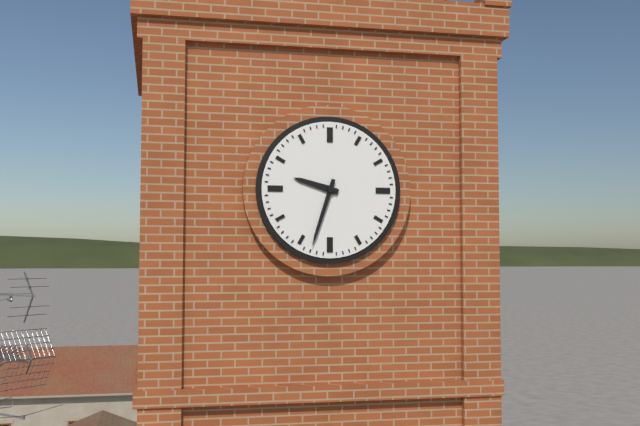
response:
h=9 m=33
